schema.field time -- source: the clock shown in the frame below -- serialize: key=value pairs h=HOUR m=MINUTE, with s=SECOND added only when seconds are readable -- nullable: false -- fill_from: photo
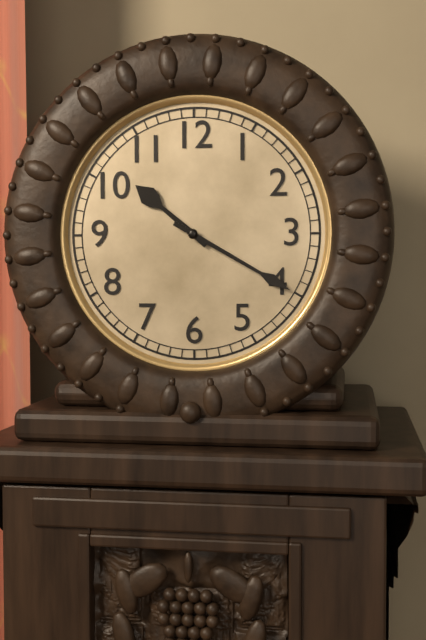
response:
h=10 m=20
